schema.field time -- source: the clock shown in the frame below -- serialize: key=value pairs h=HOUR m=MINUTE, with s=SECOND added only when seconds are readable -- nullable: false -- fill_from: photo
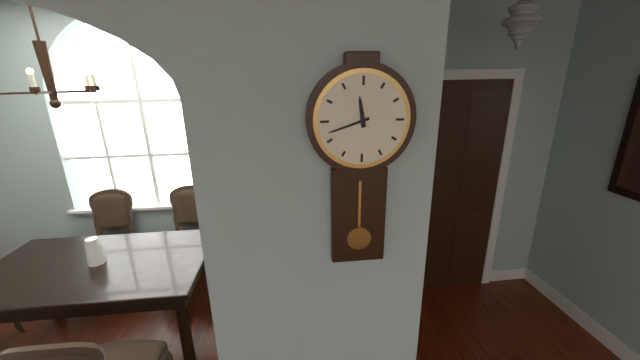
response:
h=11 m=42
